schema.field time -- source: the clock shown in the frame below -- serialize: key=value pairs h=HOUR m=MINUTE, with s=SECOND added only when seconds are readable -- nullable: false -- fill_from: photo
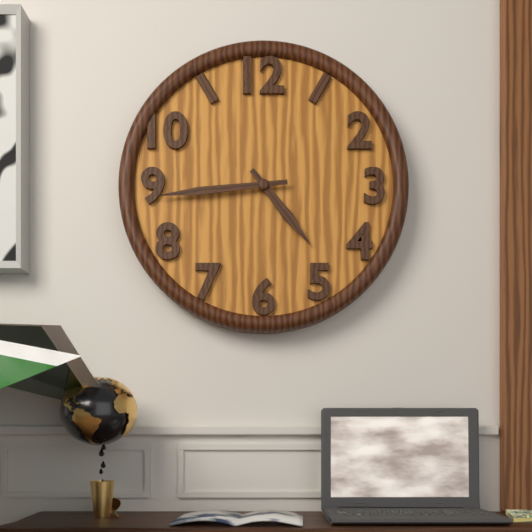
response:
h=4 m=44
